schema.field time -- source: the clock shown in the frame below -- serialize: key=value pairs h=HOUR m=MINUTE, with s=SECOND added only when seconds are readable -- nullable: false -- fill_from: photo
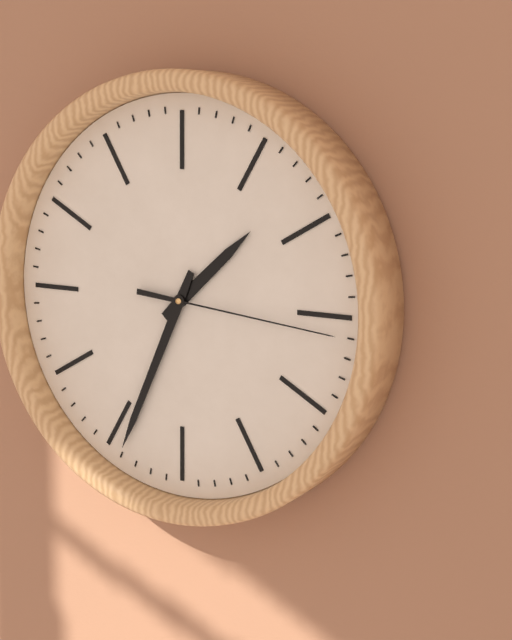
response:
h=1 m=34 s=16
